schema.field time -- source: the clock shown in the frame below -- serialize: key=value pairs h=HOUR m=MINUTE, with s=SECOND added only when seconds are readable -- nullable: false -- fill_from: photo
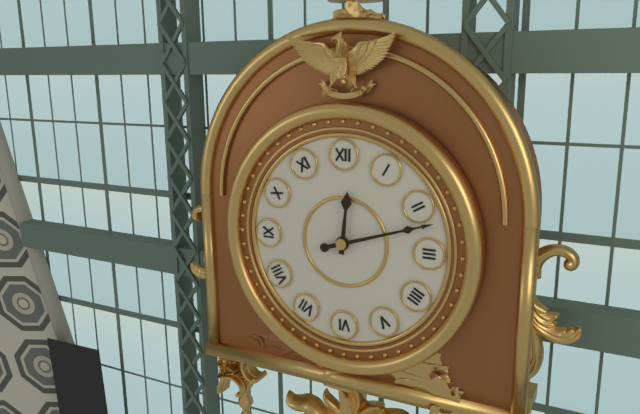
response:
h=12 m=12
